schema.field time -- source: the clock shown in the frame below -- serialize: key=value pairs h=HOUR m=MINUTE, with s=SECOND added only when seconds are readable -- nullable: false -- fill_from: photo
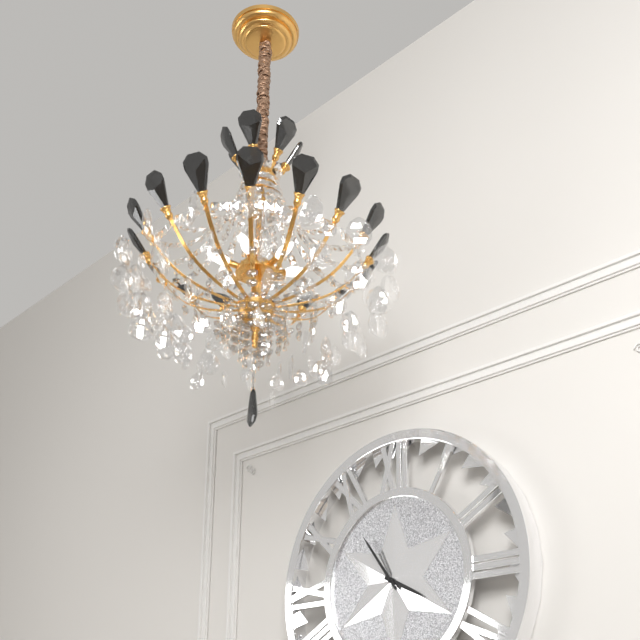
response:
h=3 m=54
